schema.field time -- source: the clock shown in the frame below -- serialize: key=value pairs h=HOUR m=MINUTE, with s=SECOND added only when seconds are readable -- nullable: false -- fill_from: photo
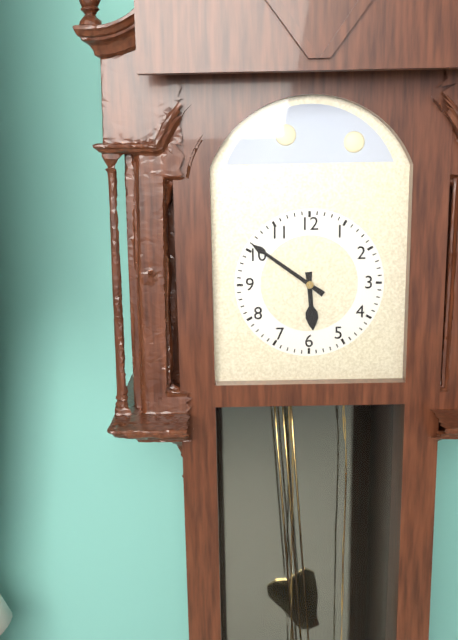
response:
h=5 m=51
